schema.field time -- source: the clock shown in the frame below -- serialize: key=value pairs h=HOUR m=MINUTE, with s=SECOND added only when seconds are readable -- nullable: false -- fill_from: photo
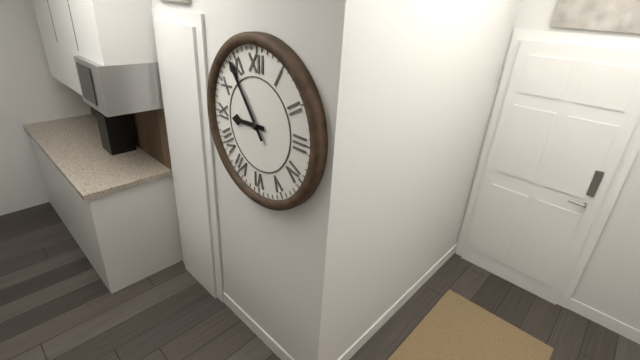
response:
h=8 m=54
